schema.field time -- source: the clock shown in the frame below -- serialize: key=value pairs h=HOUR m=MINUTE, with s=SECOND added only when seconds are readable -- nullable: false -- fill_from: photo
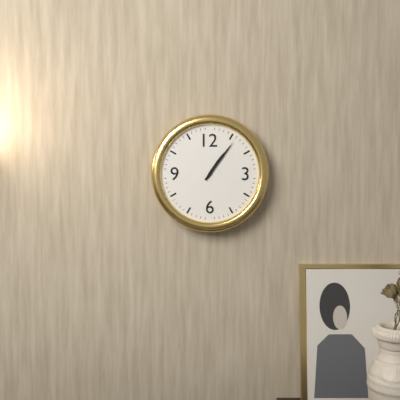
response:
h=1 m=6
